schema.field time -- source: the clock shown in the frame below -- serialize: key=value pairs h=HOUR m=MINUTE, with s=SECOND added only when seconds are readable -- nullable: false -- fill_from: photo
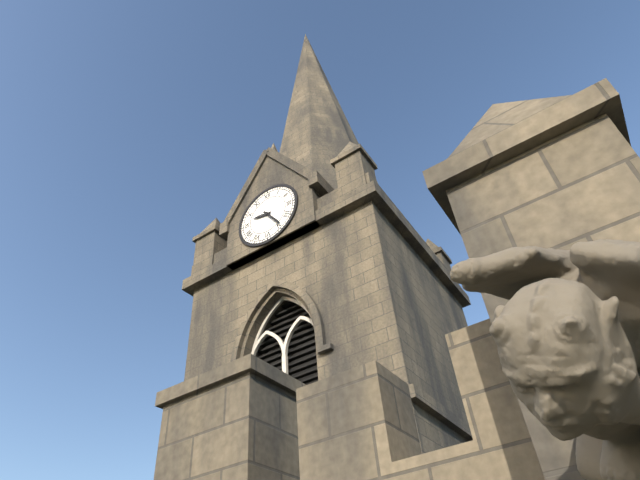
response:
h=9 m=24
